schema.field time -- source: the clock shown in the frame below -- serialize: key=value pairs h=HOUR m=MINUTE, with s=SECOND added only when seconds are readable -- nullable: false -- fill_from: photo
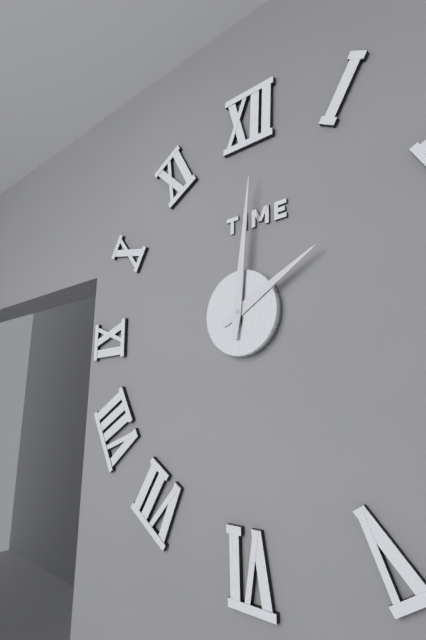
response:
h=2 m=1
